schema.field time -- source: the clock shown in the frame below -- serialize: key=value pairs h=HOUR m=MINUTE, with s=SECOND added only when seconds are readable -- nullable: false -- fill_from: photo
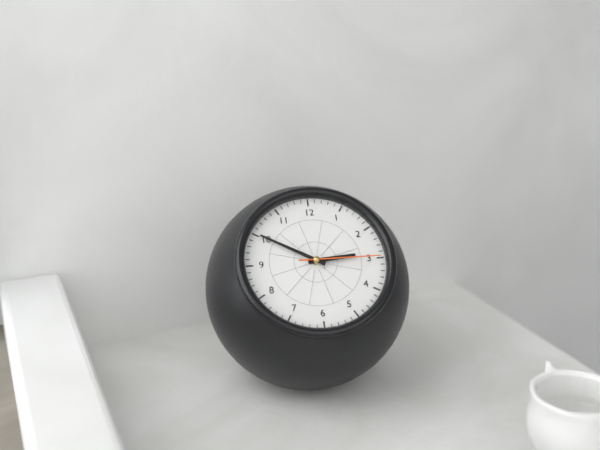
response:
h=2 m=50 s=15
